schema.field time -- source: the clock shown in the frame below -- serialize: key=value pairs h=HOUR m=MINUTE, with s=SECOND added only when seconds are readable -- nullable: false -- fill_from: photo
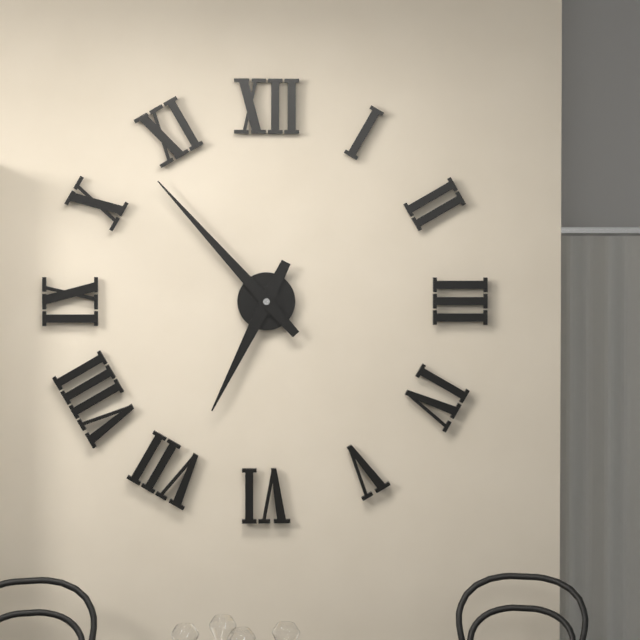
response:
h=6 m=53
